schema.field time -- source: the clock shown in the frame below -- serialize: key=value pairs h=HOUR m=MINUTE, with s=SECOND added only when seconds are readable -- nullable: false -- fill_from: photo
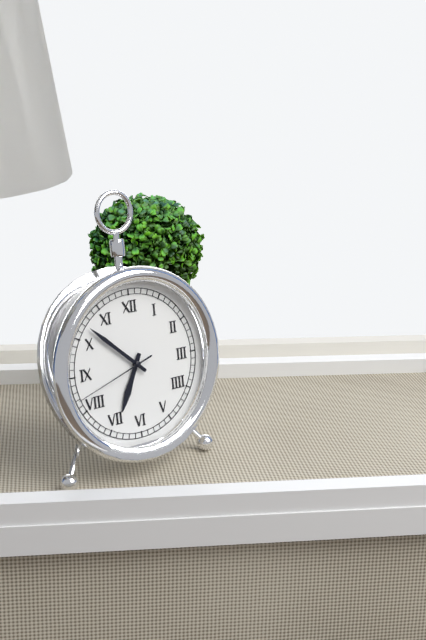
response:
h=6 m=52 s=42
